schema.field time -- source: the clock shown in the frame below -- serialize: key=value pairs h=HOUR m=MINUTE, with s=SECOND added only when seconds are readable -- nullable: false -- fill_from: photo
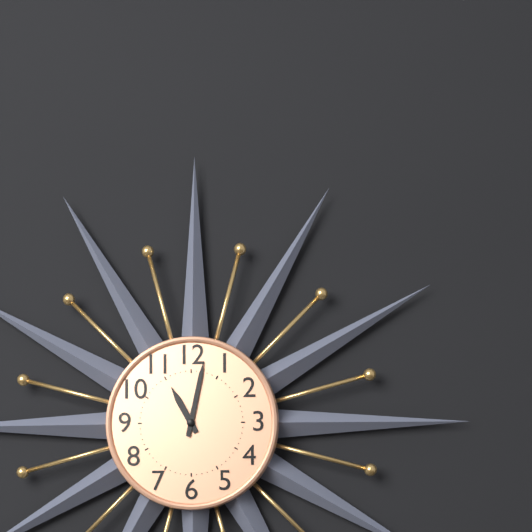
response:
h=11 m=2
